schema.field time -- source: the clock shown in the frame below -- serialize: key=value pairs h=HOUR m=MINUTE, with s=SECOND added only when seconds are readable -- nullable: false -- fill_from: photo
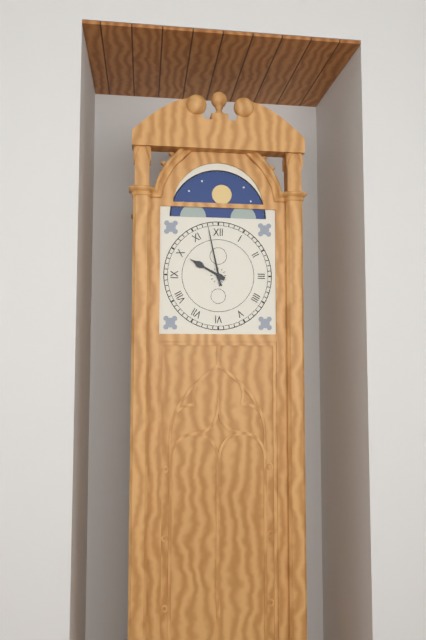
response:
h=9 m=58
